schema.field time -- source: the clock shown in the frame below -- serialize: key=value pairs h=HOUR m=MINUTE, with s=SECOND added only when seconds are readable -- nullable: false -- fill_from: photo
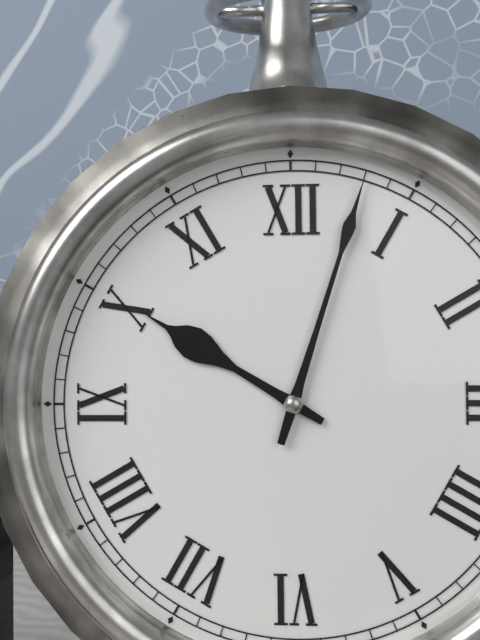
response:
h=10 m=3
